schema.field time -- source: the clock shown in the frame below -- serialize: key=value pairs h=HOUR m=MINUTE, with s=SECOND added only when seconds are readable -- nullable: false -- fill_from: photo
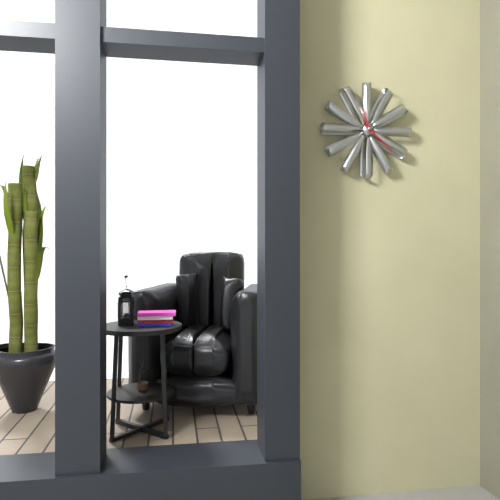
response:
h=11 m=22
